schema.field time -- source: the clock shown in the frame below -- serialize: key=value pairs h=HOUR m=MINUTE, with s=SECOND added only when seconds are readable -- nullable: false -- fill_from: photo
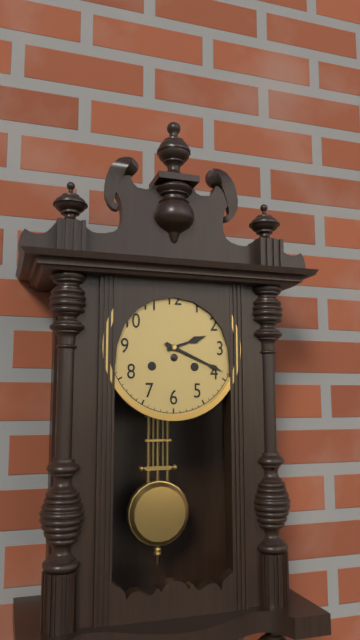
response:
h=2 m=19
